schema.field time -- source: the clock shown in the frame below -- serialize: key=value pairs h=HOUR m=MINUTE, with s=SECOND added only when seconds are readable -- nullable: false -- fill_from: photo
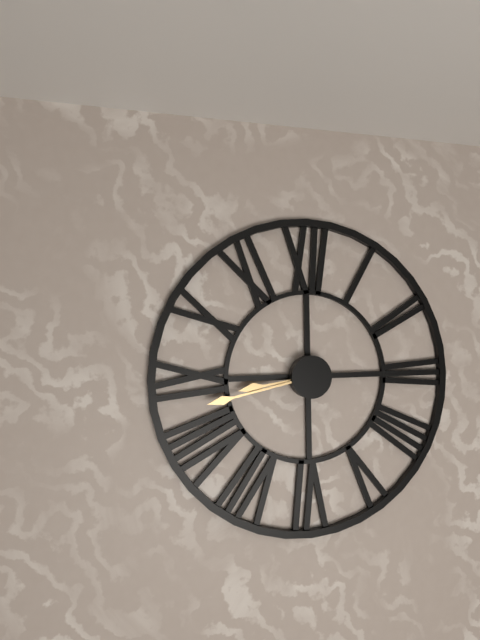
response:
h=8 m=43
